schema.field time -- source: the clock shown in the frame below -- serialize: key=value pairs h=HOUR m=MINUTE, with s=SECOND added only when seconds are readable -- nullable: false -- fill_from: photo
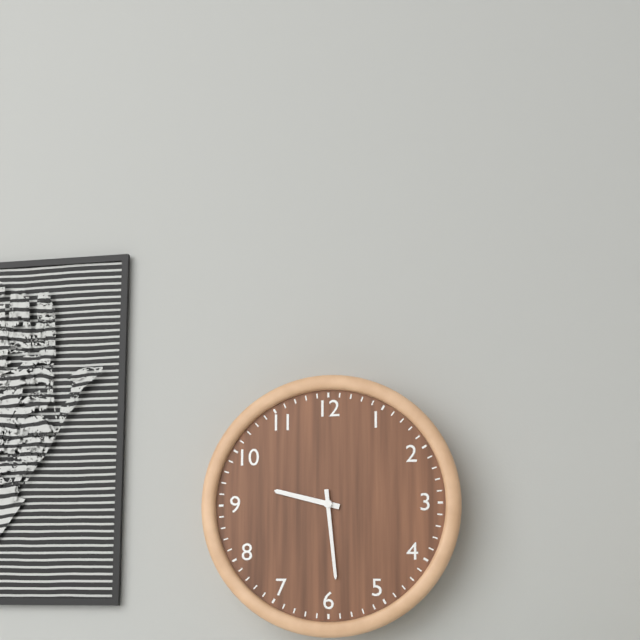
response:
h=9 m=29
